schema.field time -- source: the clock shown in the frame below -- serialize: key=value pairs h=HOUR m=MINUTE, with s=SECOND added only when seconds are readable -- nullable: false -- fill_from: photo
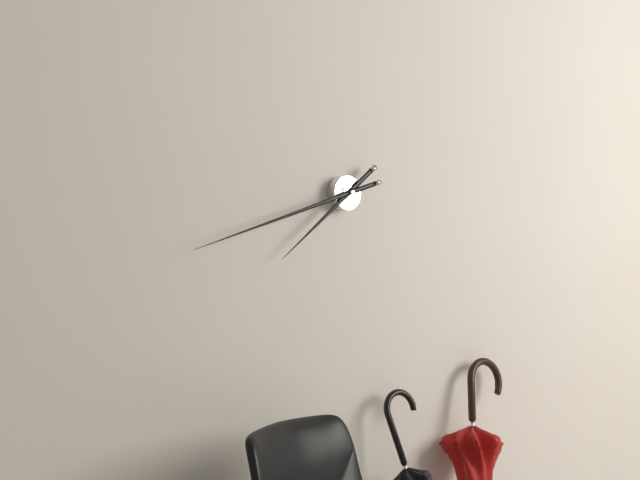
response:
h=7 m=42
